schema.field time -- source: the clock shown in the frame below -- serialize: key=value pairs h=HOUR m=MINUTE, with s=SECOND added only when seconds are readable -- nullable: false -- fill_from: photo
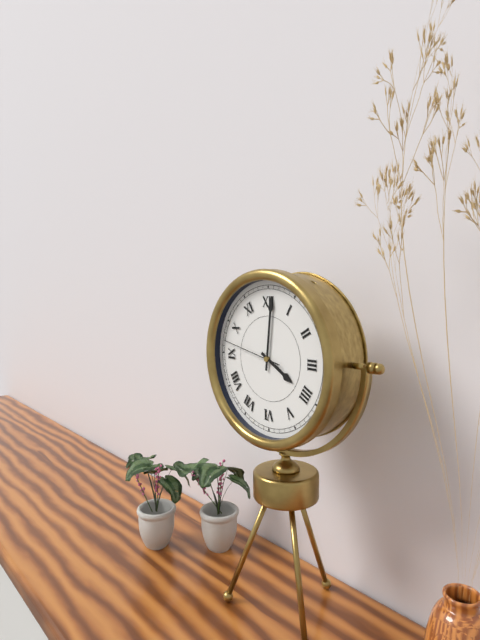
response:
h=4 m=1 s=47
